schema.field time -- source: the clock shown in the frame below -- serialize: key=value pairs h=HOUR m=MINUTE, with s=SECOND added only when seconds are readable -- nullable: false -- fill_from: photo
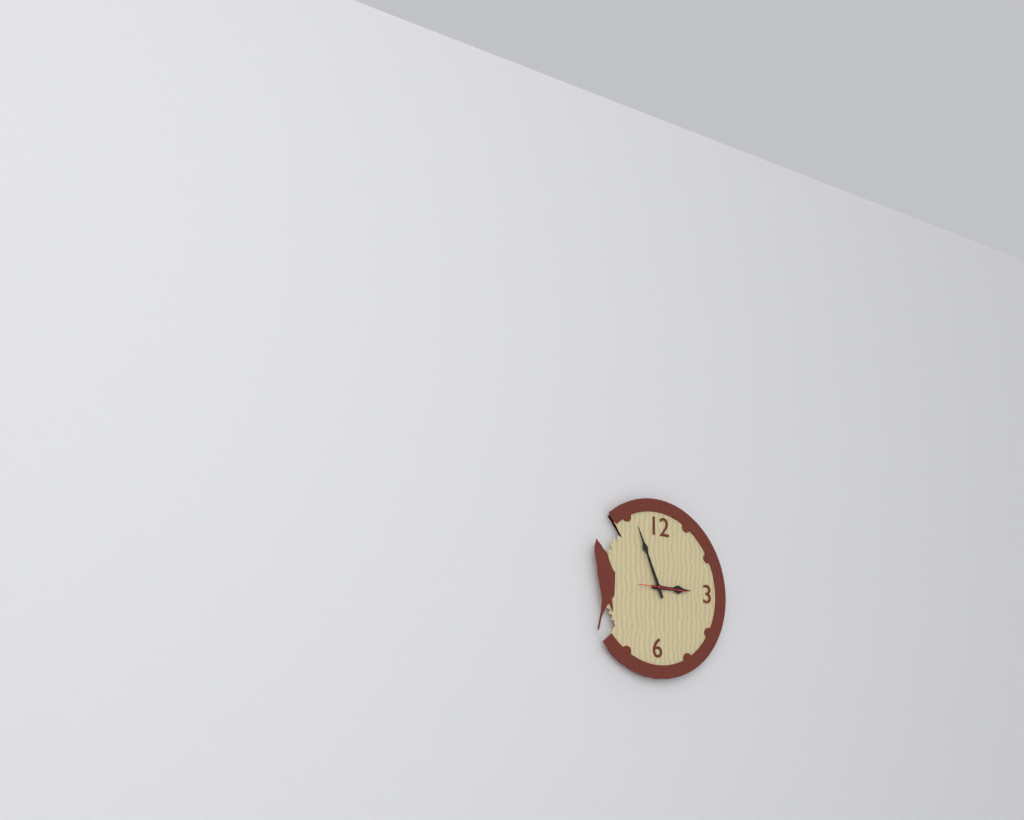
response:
h=2 m=56
